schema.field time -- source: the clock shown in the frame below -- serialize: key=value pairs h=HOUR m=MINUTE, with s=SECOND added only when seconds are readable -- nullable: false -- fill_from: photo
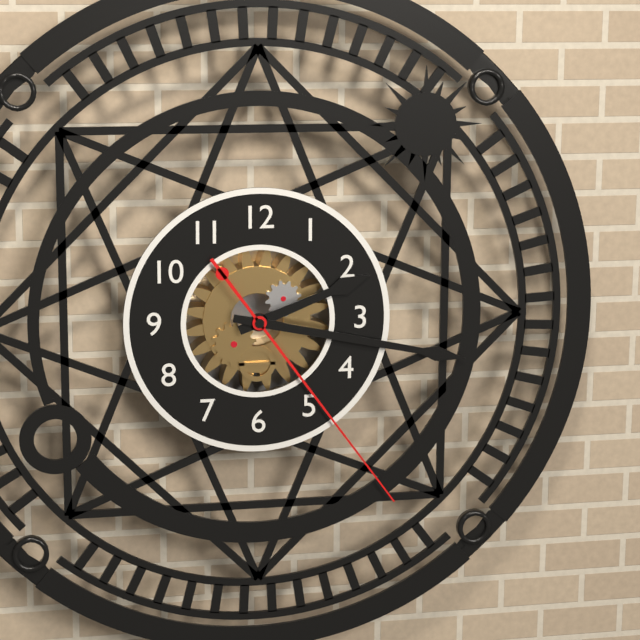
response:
h=2 m=17 s=24
